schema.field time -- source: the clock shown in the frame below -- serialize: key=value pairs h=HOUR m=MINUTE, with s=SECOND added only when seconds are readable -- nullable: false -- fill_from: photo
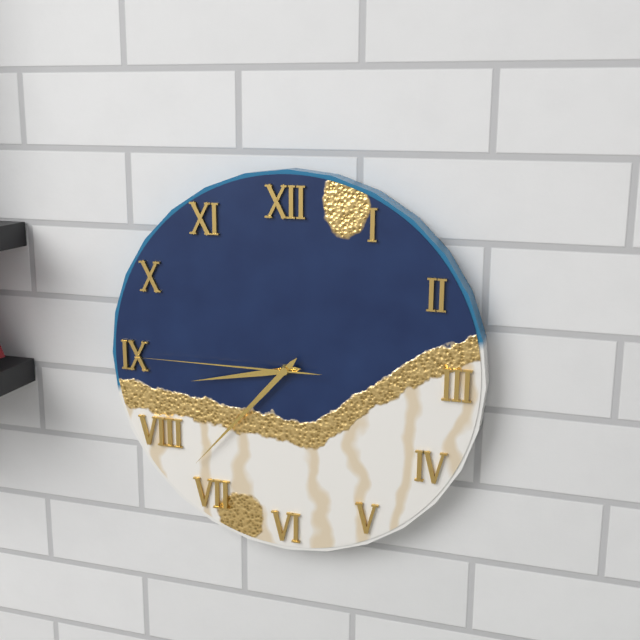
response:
h=8 m=37 s=45
